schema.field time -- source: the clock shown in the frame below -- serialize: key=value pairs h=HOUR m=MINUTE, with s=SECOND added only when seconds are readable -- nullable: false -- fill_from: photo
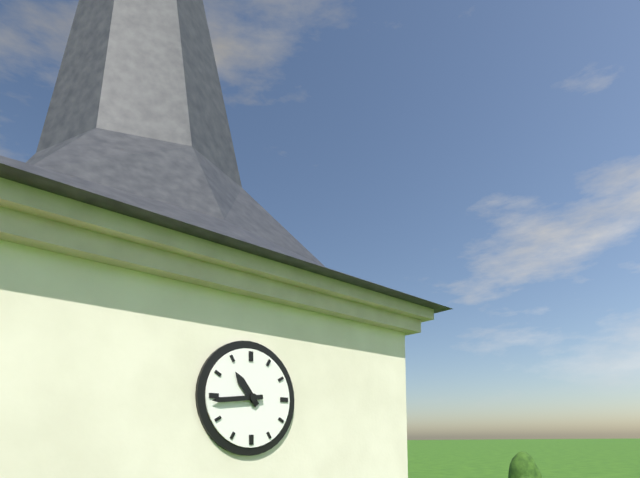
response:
h=10 m=44
